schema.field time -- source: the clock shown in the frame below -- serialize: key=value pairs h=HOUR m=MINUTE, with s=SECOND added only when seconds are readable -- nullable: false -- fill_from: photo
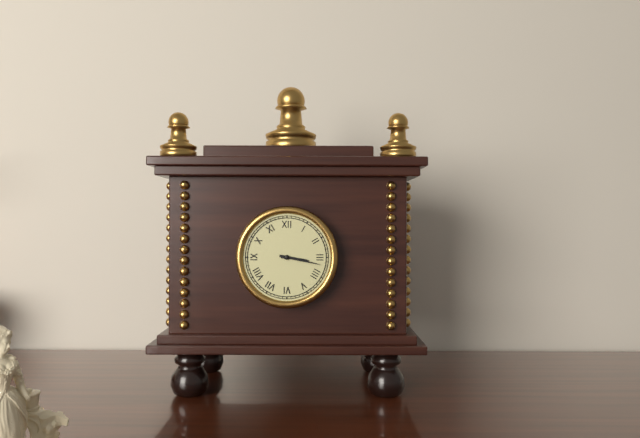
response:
h=3 m=17
